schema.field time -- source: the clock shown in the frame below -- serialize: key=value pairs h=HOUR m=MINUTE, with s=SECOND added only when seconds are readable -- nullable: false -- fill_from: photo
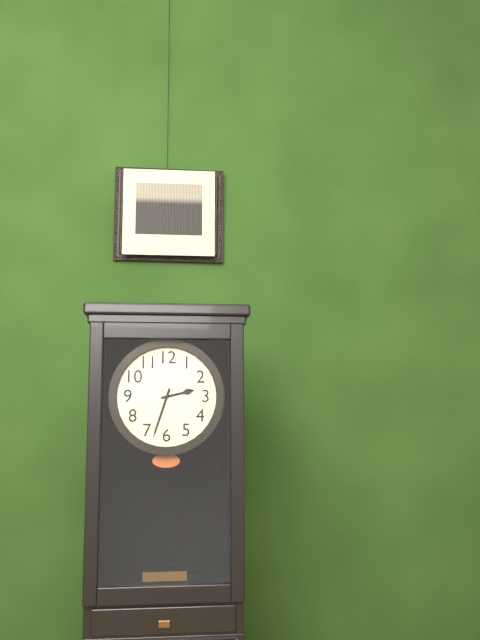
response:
h=2 m=33
